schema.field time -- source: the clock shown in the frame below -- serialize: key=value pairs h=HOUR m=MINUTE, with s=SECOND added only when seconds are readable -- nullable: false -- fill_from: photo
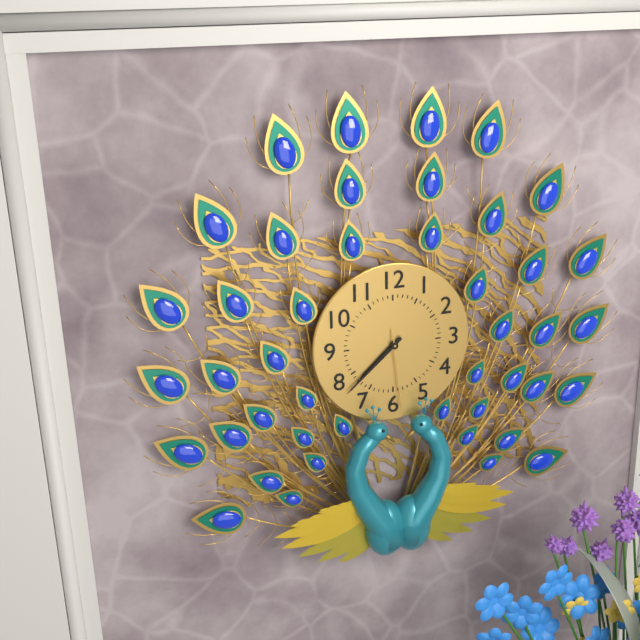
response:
h=7 m=38 s=29
